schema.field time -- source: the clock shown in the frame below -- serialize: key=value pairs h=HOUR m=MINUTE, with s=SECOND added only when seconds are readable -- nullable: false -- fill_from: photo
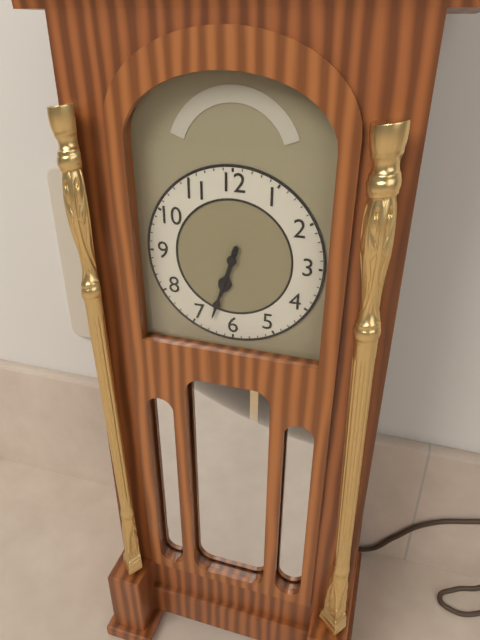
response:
h=6 m=33
